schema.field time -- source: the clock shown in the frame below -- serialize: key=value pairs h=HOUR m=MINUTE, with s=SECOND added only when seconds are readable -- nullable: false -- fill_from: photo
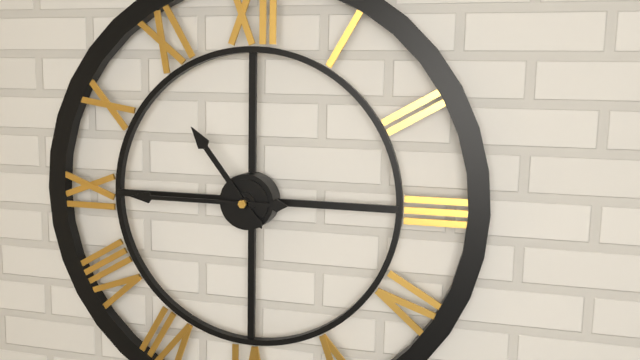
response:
h=10 m=45
